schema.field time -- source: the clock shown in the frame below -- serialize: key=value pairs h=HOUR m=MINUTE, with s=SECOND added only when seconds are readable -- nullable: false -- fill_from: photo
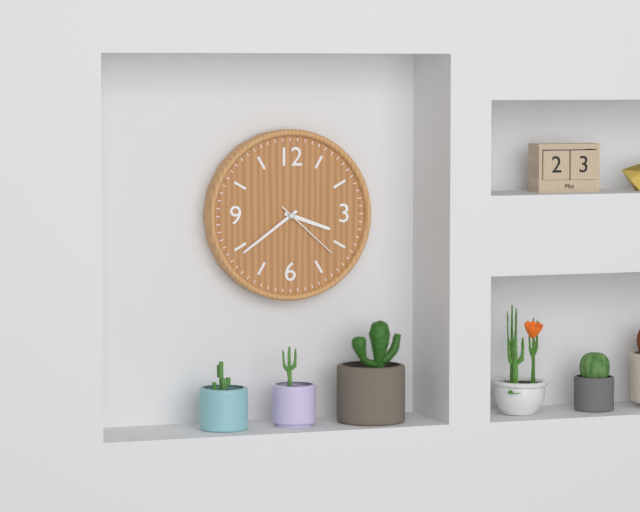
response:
h=3 m=39 s=22
